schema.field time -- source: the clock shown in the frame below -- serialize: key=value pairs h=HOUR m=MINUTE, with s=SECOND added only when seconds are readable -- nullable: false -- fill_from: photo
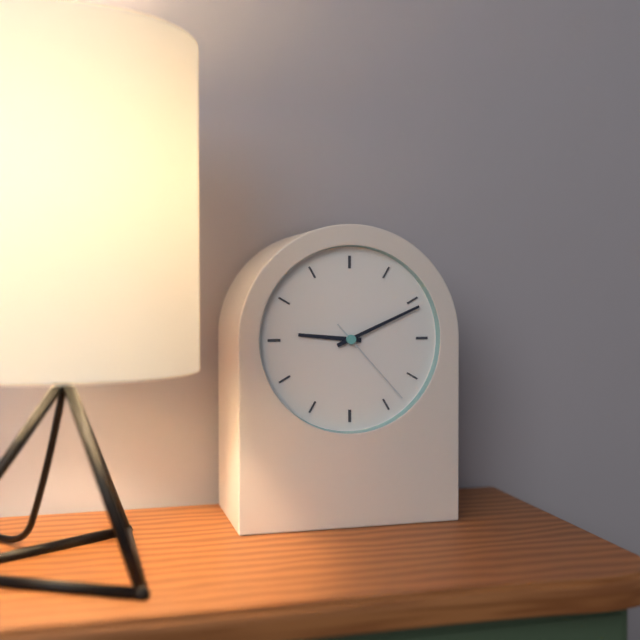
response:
h=9 m=11 s=23
